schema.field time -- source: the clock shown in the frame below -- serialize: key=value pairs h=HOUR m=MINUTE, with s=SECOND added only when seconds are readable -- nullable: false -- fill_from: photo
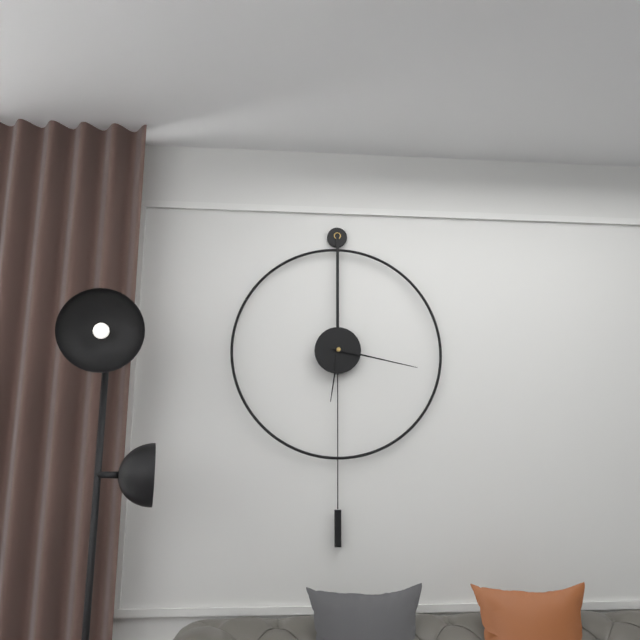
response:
h=6 m=17
